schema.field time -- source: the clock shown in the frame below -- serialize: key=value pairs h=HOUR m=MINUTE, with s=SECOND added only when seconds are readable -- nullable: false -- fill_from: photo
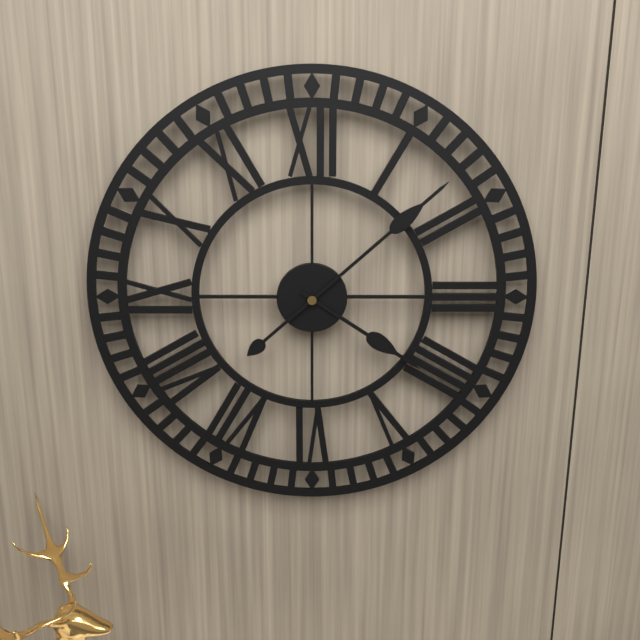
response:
h=4 m=8
